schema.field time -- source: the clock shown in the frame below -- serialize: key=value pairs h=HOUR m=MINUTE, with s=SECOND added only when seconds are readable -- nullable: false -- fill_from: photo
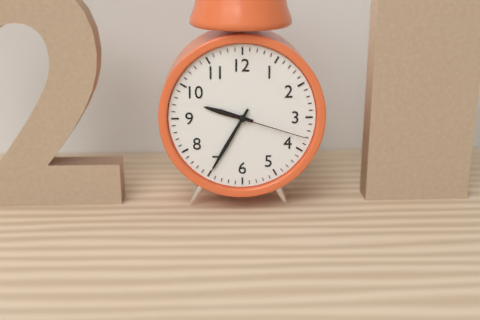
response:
h=9 m=35 s=18
